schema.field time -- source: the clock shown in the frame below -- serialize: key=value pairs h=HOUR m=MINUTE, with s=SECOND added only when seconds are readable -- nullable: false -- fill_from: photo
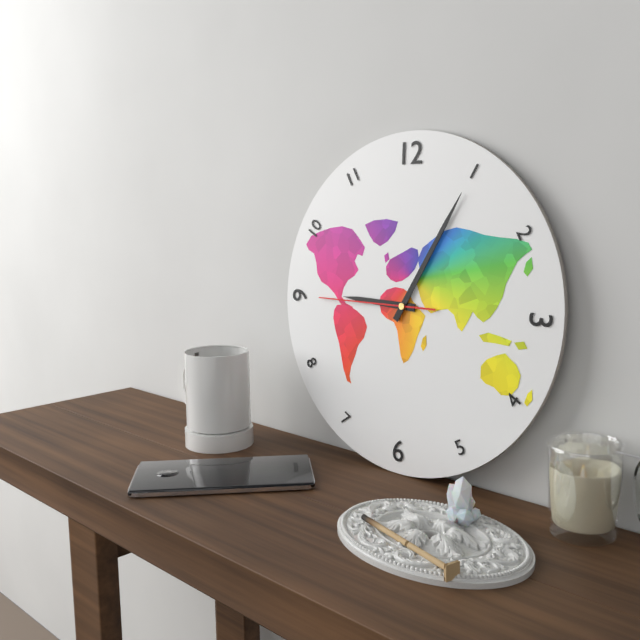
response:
h=9 m=5 s=45
